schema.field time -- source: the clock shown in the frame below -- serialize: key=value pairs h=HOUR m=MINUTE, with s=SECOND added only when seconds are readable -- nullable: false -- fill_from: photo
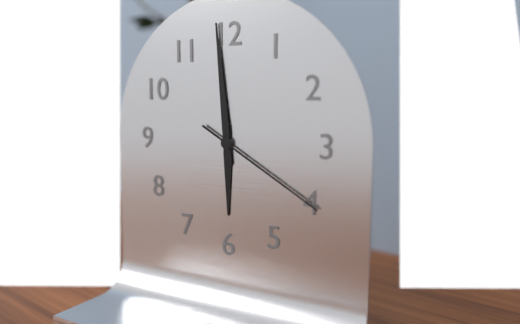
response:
h=5 m=59 s=20
